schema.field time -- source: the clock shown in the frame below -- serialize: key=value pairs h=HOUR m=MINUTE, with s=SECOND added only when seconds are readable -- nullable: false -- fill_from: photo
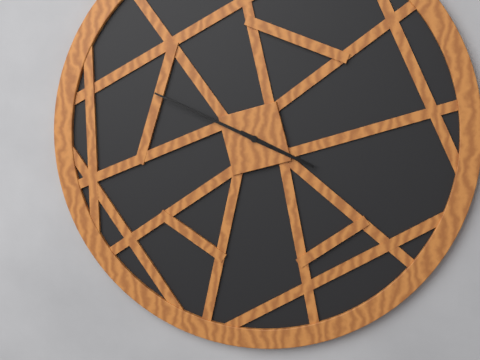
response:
h=3 m=49
